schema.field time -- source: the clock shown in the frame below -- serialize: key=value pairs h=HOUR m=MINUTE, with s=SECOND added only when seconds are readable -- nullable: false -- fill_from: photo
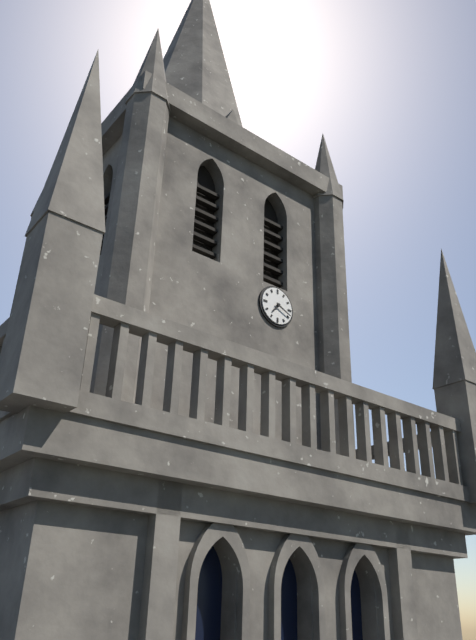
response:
h=7 m=19
